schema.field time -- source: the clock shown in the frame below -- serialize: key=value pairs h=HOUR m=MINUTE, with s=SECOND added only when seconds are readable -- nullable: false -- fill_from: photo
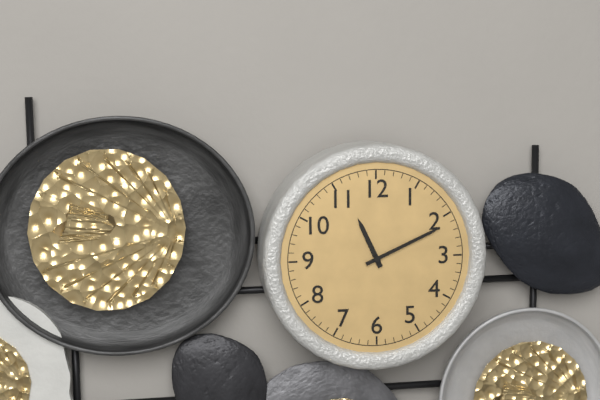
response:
h=11 m=11
